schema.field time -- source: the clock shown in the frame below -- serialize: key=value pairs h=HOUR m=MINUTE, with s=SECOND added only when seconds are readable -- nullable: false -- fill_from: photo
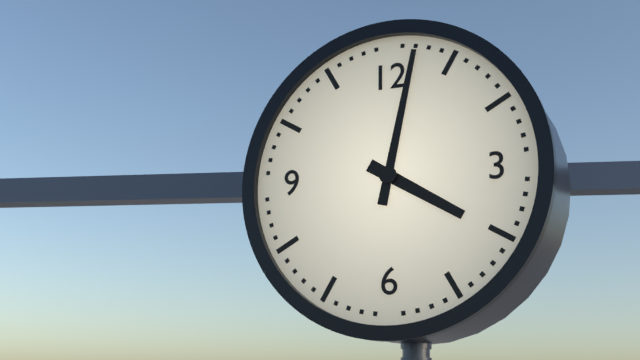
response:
h=4 m=2
